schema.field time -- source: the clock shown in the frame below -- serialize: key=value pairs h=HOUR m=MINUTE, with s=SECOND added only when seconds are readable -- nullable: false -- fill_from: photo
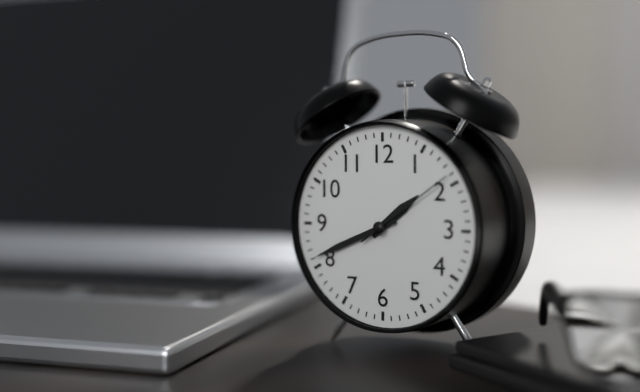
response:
h=1 m=41 s=9
